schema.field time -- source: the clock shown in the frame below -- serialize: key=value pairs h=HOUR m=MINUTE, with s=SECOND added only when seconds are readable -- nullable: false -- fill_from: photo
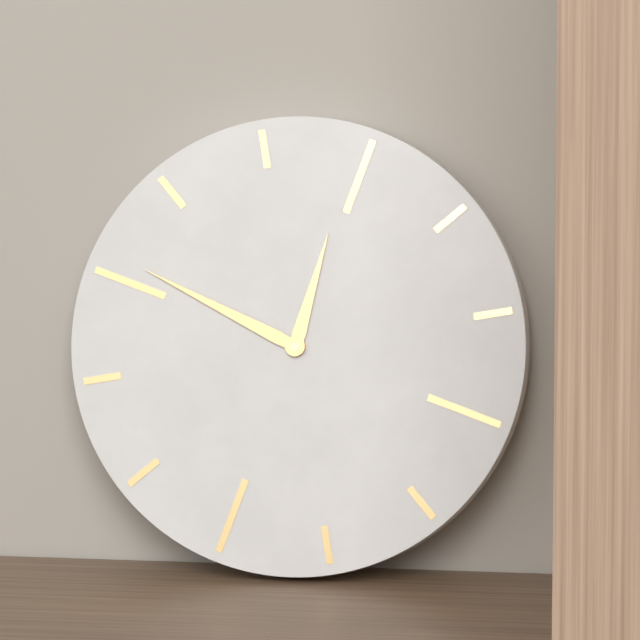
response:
h=12 m=51
